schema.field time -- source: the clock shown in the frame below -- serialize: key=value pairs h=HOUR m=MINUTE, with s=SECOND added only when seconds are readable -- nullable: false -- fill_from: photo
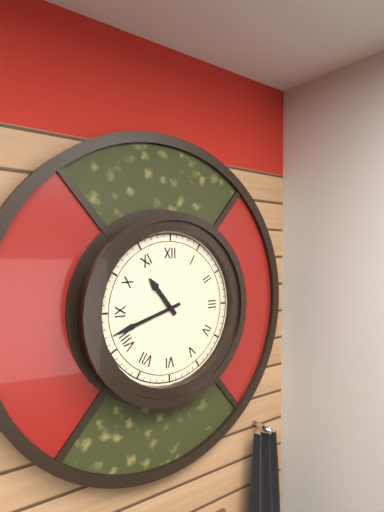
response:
h=10 m=42
